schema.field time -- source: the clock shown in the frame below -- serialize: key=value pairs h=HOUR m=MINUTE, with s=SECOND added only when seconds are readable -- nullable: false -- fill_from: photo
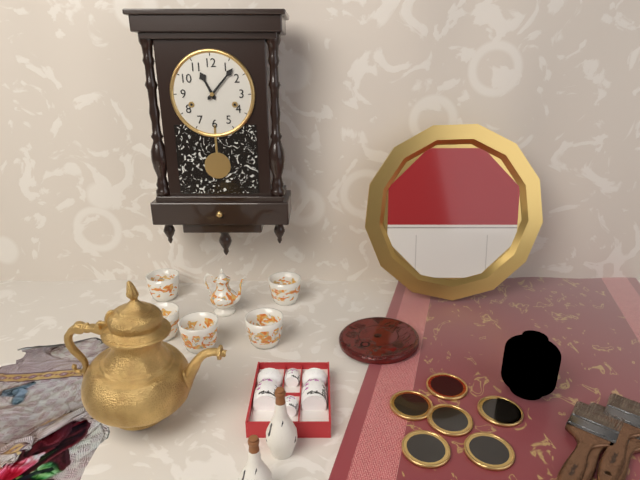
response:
h=11 m=7
